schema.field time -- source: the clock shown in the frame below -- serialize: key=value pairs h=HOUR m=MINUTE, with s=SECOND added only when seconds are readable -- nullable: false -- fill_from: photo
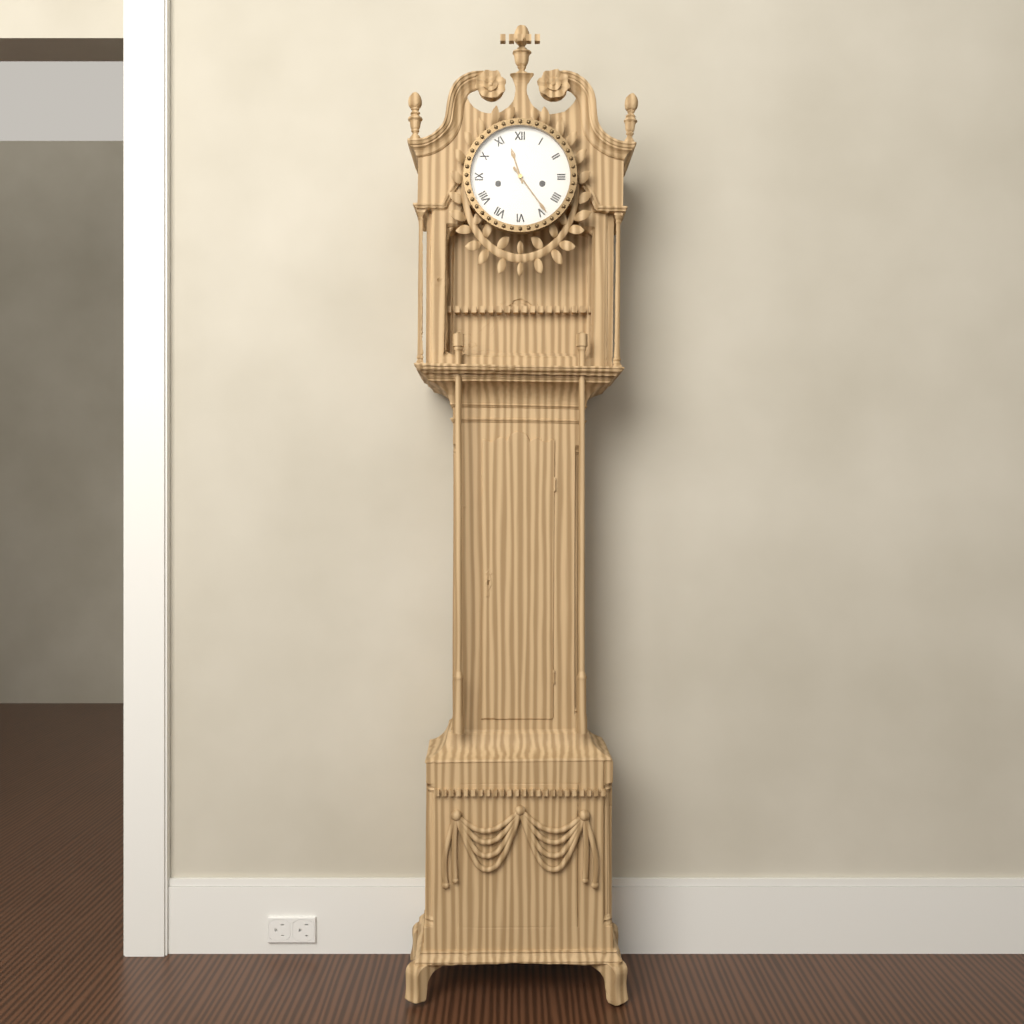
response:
h=11 m=24
